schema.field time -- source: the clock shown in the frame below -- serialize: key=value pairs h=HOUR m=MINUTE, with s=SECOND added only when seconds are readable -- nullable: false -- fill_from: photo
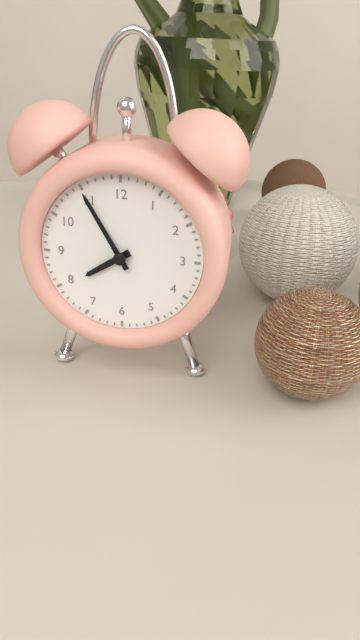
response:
h=7 m=55
